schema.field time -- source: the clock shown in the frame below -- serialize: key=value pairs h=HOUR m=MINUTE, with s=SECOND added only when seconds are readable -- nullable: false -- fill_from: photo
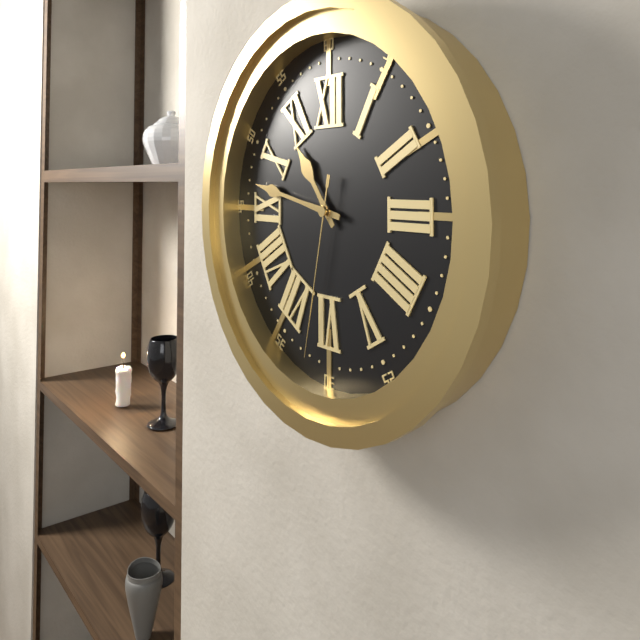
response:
h=10 m=47 s=32
